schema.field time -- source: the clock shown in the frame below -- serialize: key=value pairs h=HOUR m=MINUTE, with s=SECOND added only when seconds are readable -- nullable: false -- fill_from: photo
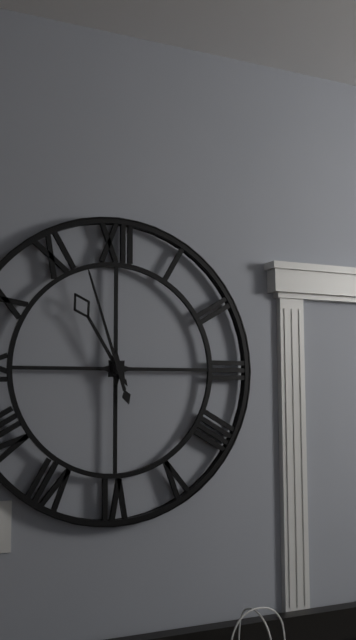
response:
h=10 m=57
